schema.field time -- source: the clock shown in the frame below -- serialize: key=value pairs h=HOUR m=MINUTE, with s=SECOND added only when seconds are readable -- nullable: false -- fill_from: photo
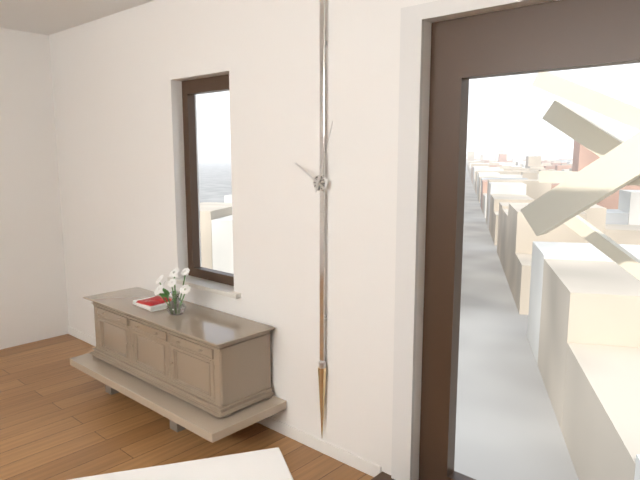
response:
h=10 m=3
